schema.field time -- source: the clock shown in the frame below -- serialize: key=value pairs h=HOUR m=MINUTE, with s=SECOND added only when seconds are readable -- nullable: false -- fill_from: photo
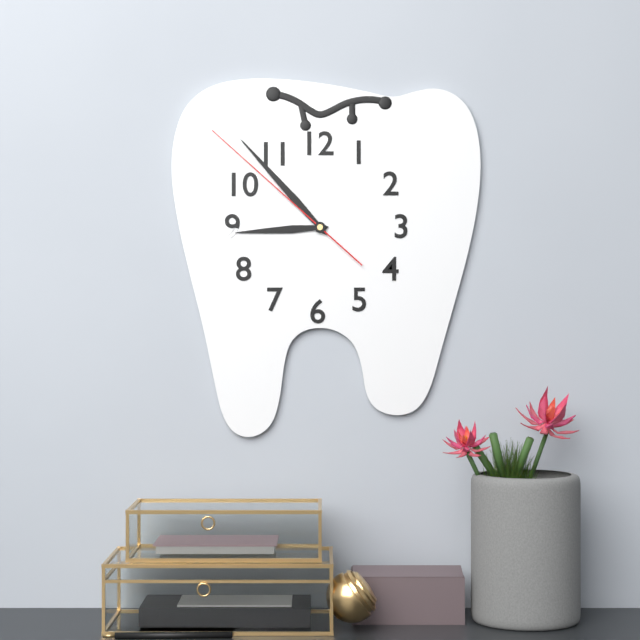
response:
h=8 m=53 s=52
